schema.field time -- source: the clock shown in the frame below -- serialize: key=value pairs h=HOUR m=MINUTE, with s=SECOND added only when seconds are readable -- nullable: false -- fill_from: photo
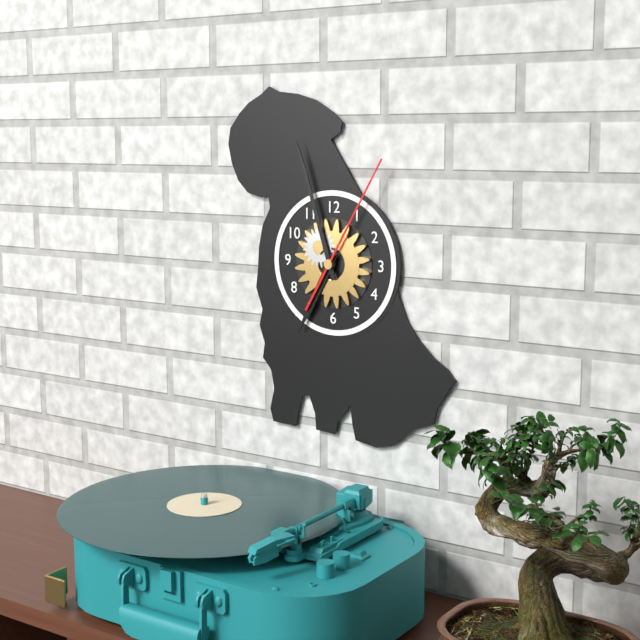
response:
h=6 m=57 s=5
